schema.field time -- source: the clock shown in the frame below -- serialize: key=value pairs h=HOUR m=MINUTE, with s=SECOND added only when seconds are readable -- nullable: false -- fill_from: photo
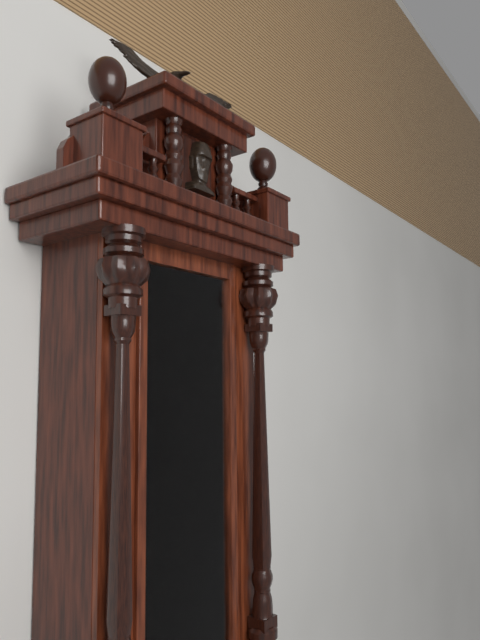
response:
h=11 m=55
